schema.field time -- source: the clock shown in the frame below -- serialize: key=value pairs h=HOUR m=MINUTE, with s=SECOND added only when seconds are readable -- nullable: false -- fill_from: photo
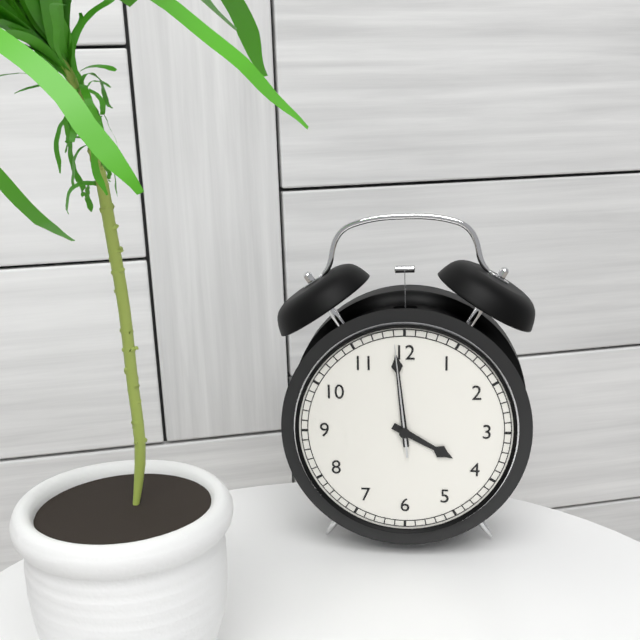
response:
h=3 m=59 s=59
